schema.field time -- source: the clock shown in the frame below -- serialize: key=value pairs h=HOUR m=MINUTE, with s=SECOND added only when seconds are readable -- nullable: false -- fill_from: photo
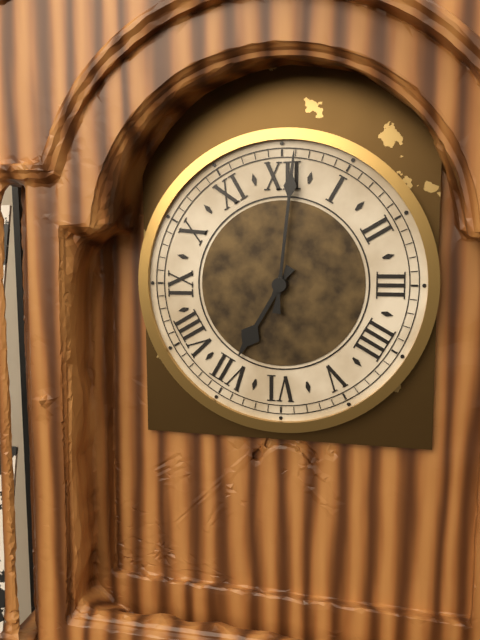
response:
h=7 m=1
